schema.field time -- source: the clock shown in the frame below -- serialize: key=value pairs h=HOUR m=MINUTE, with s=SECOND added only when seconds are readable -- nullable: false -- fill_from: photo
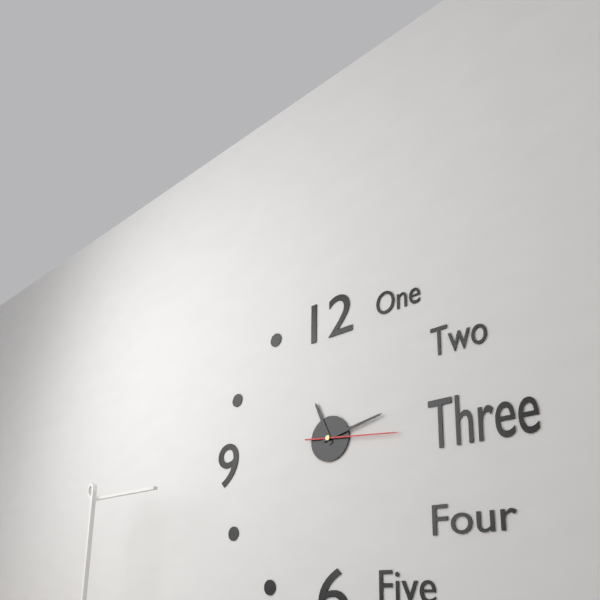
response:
h=11 m=13 s=16
